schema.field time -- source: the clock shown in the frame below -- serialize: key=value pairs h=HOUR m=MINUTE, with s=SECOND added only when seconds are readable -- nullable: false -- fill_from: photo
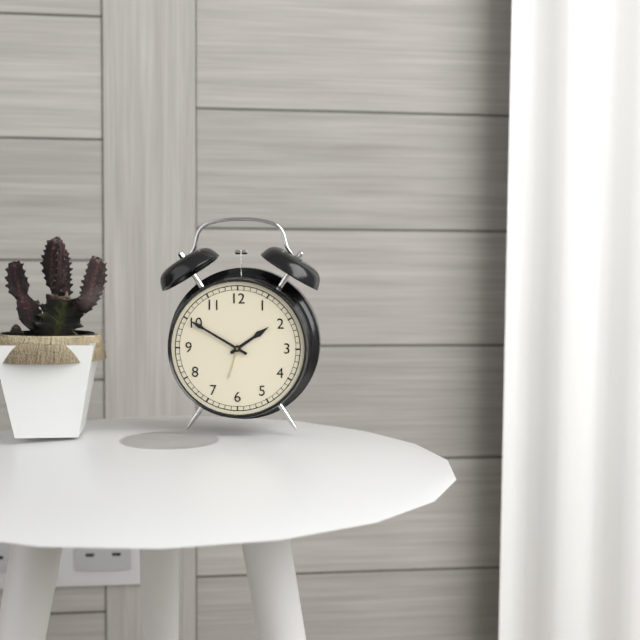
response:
h=1 m=50
